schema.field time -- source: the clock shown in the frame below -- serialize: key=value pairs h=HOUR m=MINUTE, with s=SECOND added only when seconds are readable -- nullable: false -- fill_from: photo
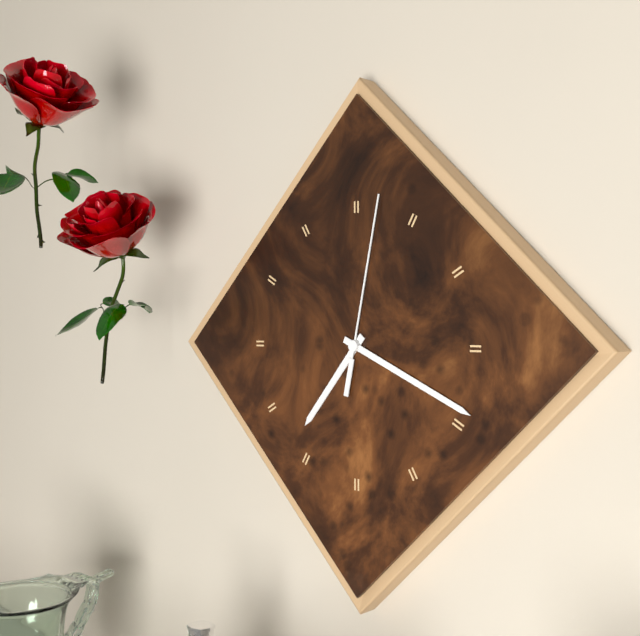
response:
h=7 m=19 s=2
